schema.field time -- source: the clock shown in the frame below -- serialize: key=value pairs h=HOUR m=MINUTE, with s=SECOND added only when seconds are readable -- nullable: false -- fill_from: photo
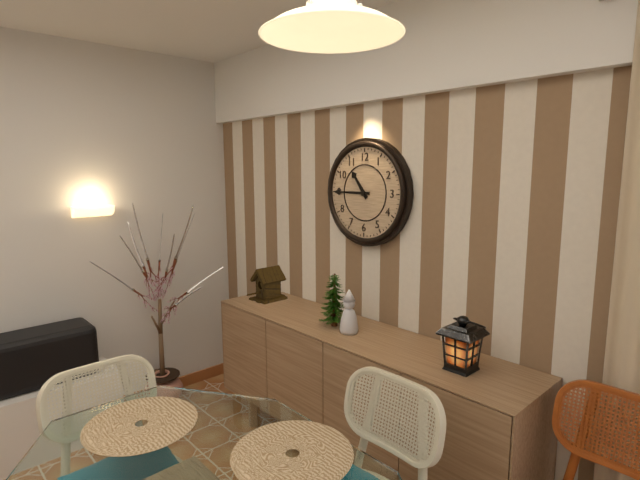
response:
h=10 m=45
